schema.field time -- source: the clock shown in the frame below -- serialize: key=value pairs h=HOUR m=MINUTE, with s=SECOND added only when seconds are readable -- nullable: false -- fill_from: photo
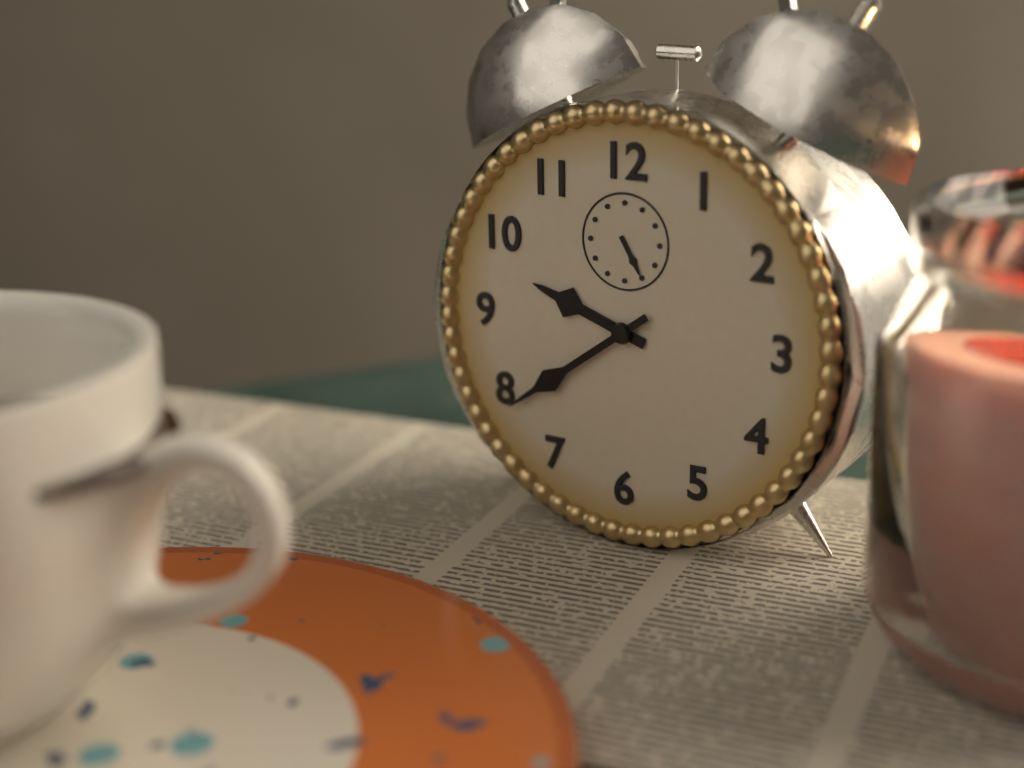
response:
h=9 m=39
